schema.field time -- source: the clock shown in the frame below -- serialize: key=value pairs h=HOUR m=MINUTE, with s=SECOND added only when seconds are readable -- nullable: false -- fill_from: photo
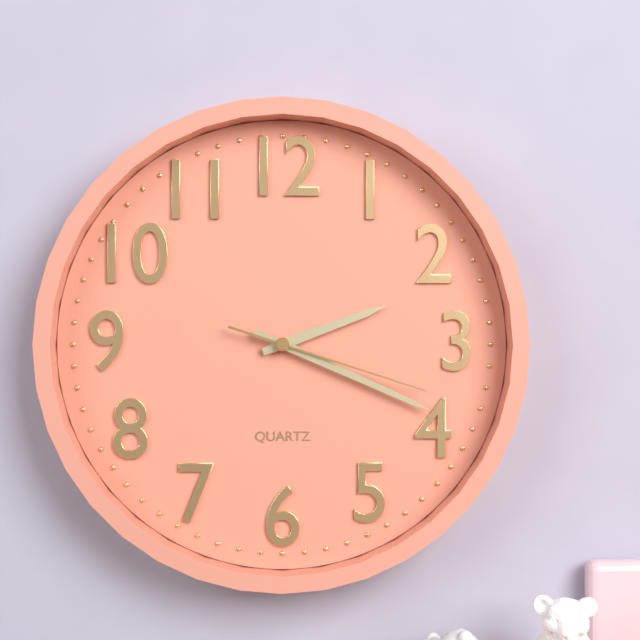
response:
h=2 m=19 s=18
